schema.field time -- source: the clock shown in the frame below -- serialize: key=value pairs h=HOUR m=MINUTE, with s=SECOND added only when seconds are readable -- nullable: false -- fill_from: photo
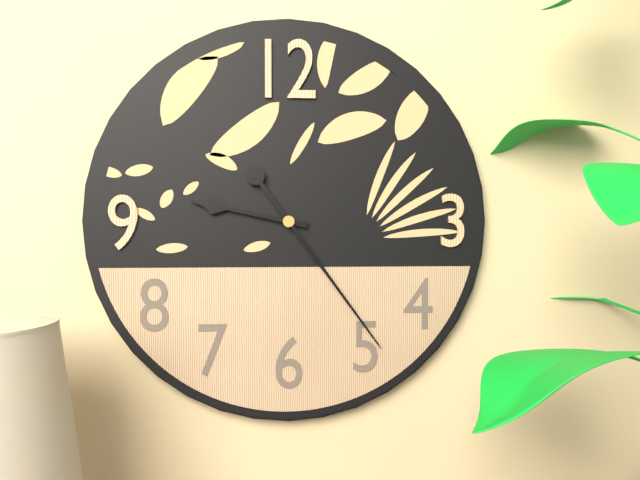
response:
h=9 m=24
